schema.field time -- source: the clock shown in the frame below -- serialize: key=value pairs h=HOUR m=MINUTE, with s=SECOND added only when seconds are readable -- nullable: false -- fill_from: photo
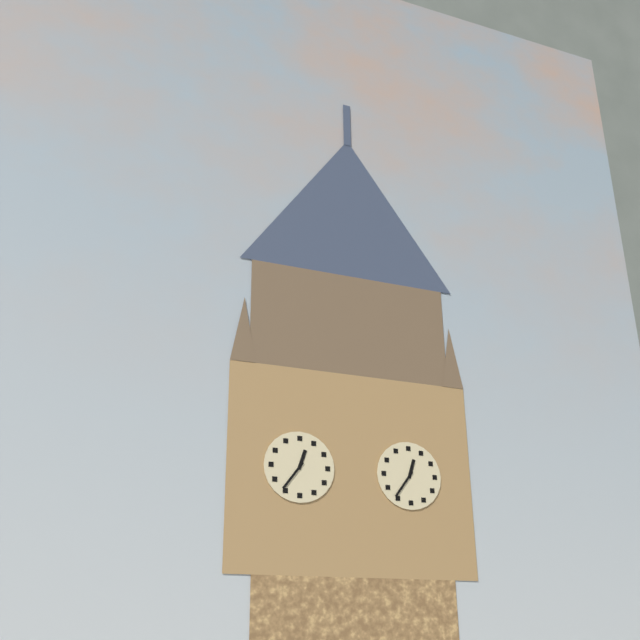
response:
h=12 m=36
